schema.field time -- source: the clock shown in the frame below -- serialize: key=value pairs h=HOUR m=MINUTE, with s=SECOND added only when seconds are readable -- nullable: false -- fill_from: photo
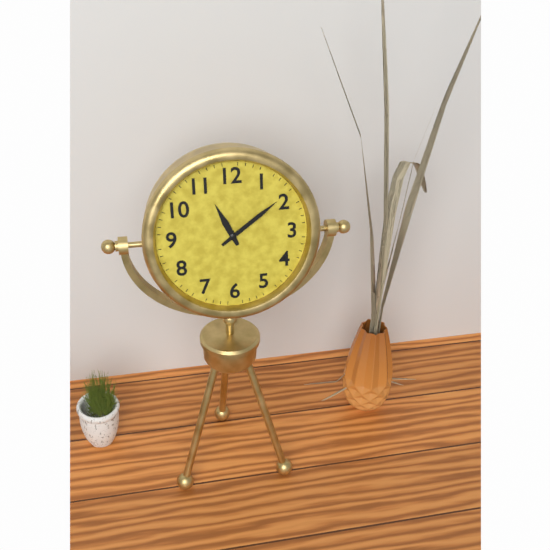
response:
h=11 m=9
